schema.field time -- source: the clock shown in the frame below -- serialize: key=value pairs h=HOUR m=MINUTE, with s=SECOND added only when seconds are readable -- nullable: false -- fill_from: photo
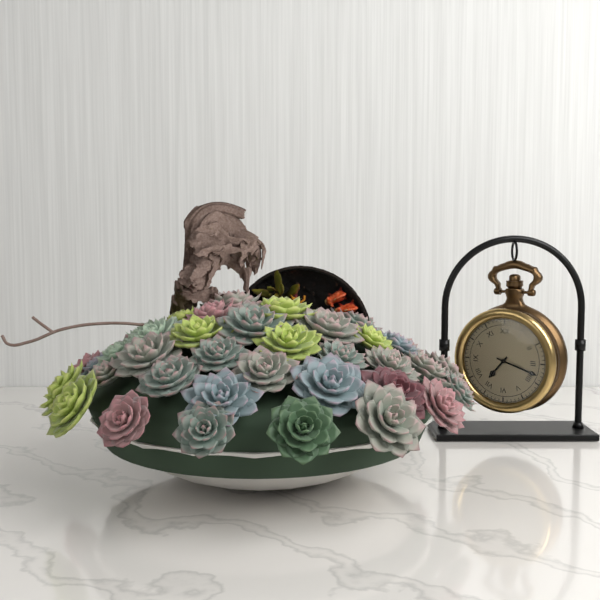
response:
h=7 m=18
